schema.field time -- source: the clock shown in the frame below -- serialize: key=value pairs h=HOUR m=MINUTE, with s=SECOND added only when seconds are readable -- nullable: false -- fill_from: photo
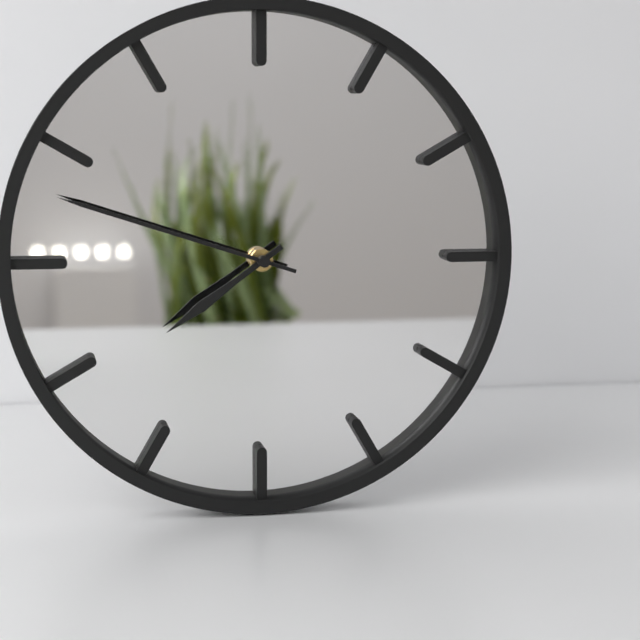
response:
h=7 m=48
